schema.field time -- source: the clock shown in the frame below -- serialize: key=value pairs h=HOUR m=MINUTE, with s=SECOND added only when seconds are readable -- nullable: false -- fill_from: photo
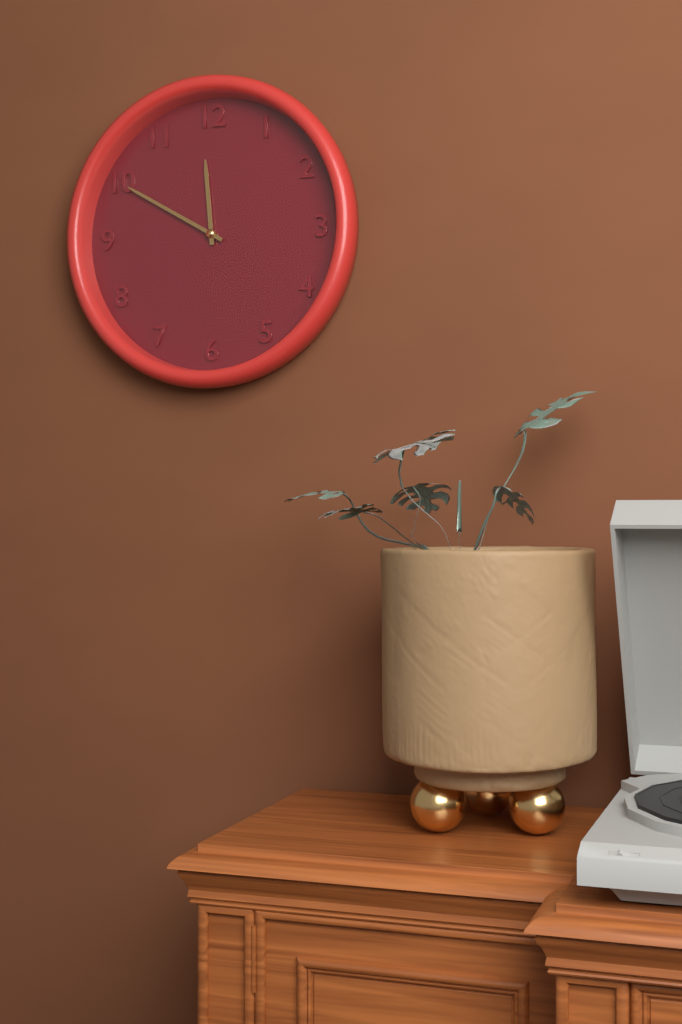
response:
h=11 m=50
